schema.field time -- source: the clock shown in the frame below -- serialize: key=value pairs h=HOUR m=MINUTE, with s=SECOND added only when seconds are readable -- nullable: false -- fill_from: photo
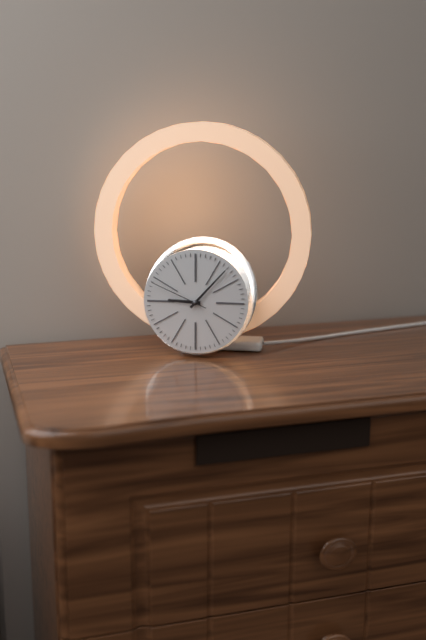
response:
h=9 m=7 s=49
